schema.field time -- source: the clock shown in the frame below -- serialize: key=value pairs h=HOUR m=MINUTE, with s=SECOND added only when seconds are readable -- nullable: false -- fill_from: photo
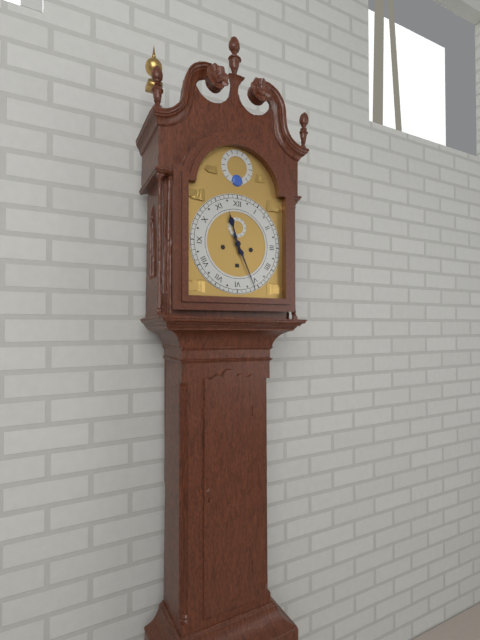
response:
h=11 m=26
